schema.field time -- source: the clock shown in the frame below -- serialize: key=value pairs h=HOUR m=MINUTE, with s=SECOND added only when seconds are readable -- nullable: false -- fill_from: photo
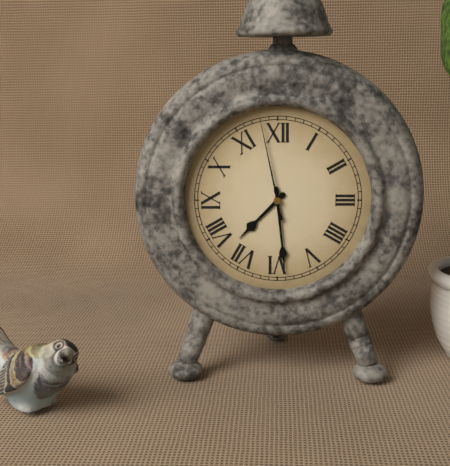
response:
h=7 m=29 s=58
